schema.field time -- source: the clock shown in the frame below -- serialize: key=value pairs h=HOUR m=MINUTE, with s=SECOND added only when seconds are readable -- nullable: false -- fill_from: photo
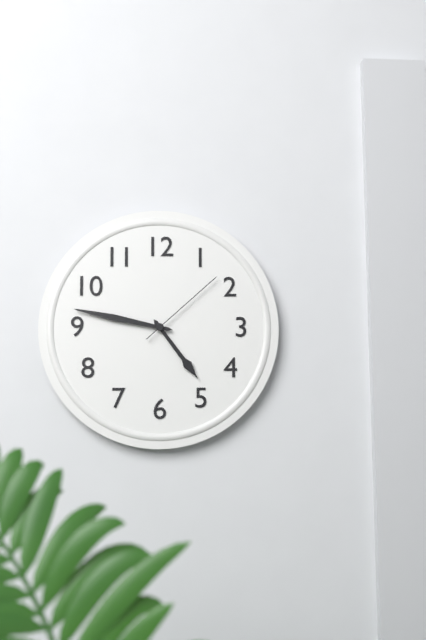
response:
h=4 m=47 s=8
